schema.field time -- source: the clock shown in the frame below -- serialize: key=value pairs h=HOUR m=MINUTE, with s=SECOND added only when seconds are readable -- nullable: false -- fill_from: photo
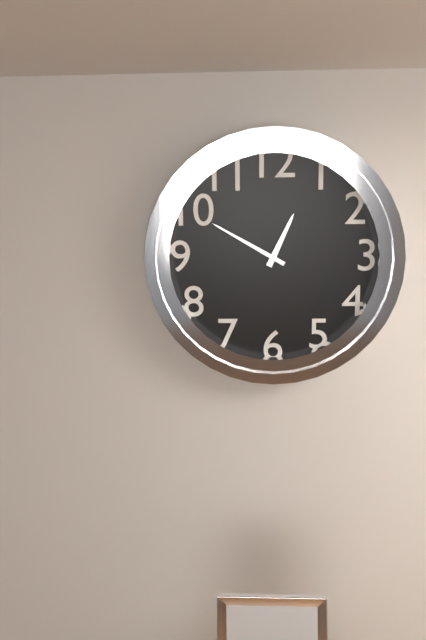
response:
h=12 m=50
